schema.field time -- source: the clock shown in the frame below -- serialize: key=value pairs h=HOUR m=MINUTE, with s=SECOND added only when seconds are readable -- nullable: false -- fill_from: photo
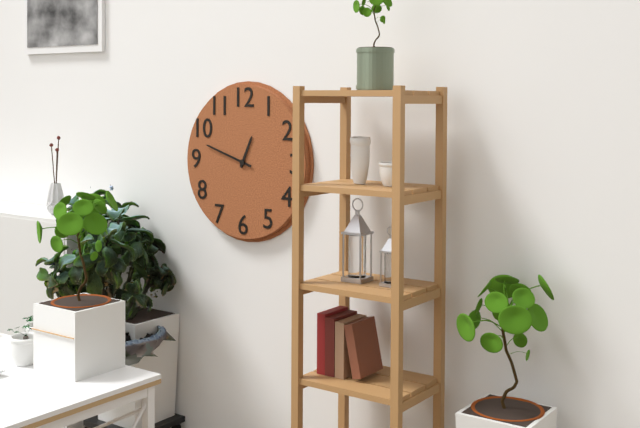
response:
h=12 m=48
